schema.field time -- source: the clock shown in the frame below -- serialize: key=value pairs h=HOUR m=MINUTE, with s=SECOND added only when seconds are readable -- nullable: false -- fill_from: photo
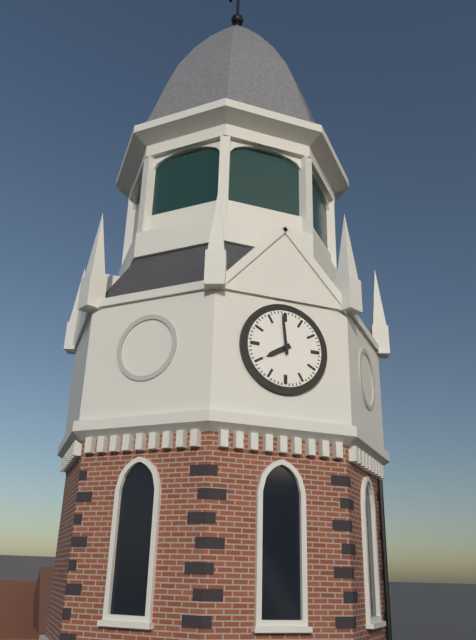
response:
h=7 m=59
